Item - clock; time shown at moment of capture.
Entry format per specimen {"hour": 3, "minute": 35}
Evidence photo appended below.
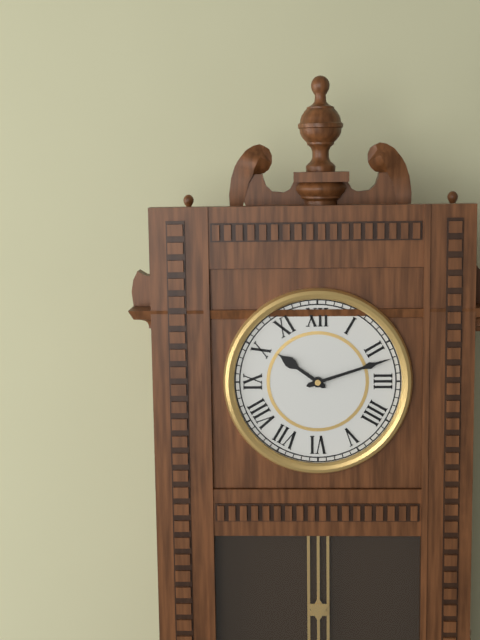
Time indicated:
{"hour": 10, "minute": 12}
